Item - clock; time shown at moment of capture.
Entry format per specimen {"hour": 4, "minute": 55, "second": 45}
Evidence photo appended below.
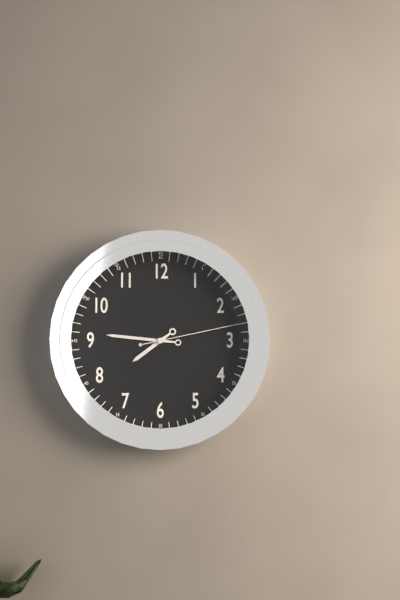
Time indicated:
{"hour": 7, "minute": 46, "second": 13}
